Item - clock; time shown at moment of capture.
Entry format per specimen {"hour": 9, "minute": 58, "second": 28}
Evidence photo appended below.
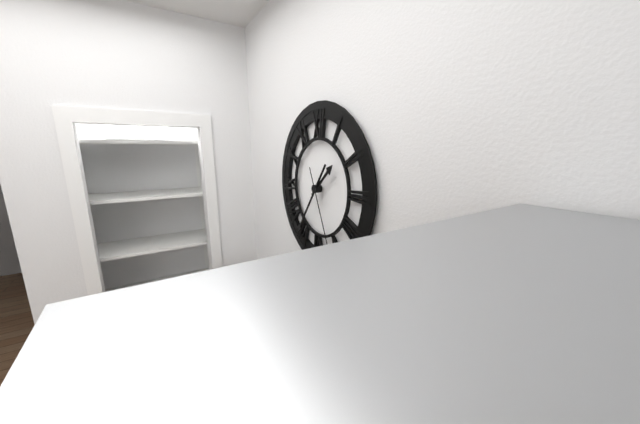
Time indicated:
{"hour": 1, "minute": 36, "second": 26}
